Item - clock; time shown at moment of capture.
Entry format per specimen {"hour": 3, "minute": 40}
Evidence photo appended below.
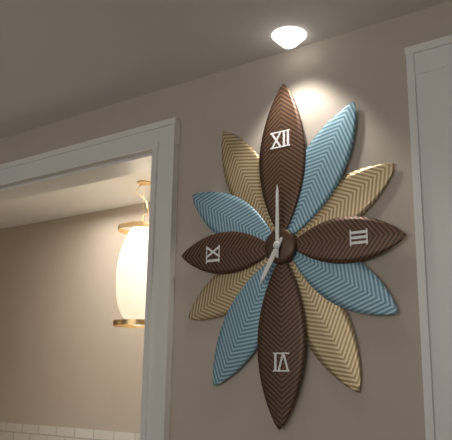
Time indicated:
{"hour": 7, "minute": 0}
